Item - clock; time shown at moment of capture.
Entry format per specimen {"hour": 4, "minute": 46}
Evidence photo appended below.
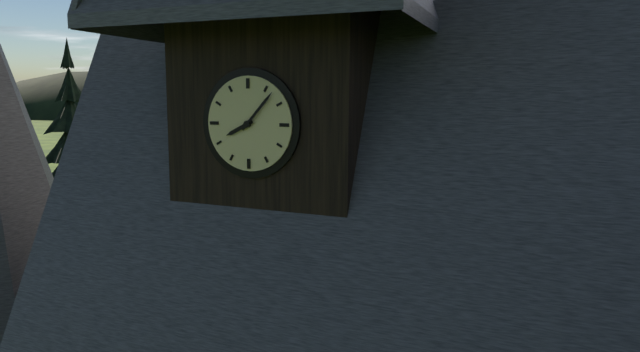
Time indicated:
{"hour": 8, "minute": 7}
